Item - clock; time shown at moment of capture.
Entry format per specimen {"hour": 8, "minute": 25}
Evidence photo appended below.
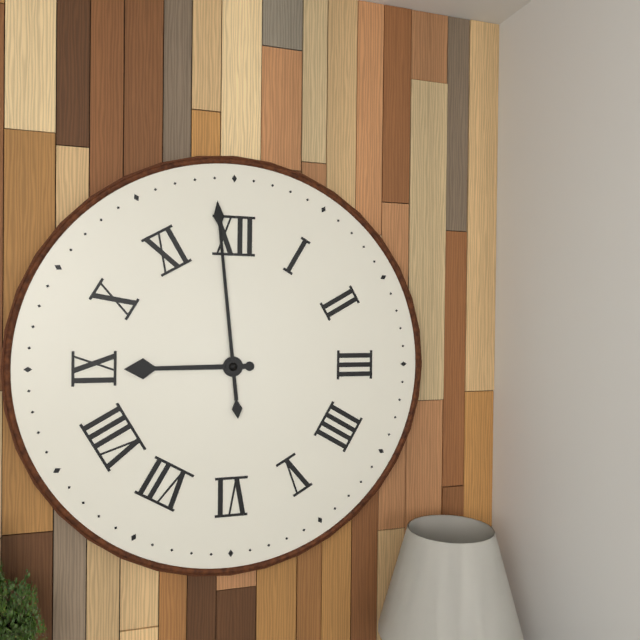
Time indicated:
{"hour": 8, "minute": 59}
